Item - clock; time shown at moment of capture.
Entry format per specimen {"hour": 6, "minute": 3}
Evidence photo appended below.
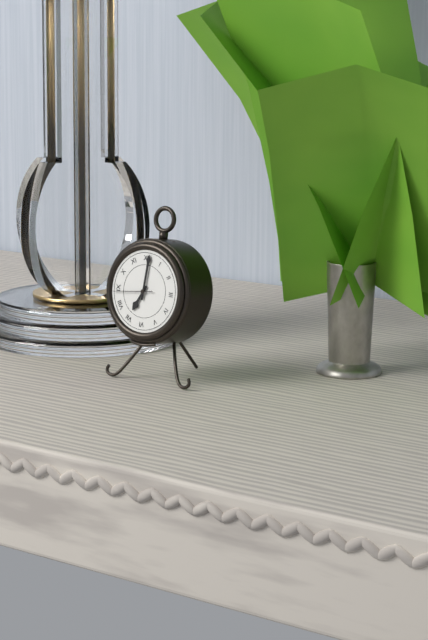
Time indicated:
{"hour": 7, "minute": 1}
